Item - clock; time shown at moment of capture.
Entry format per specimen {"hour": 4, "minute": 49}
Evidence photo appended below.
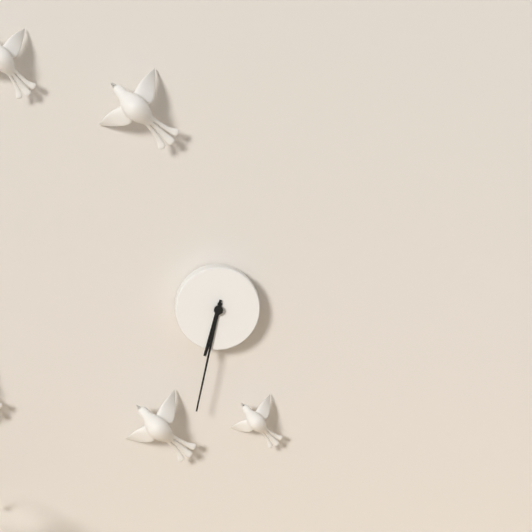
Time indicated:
{"hour": 6, "minute": 32}
